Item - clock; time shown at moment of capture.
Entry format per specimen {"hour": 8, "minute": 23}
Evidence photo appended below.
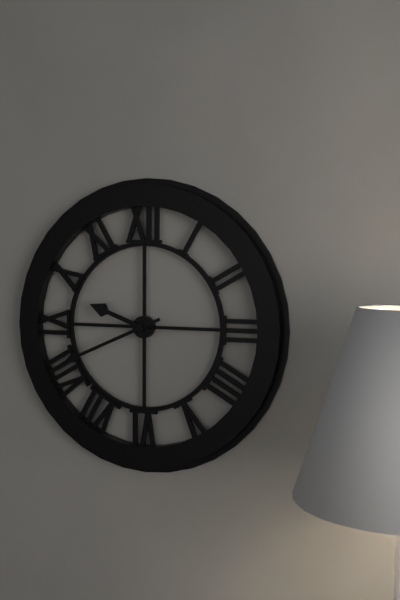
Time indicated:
{"hour": 9, "minute": 41}
